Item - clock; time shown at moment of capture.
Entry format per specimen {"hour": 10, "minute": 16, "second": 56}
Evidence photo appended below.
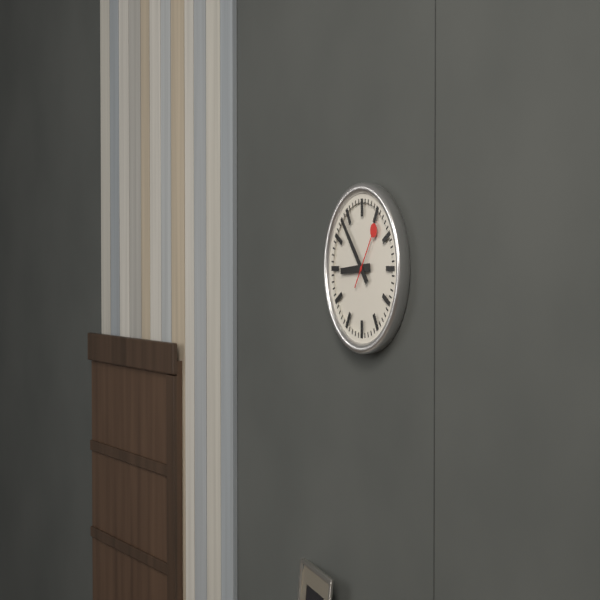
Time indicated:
{"hour": 8, "minute": 53, "second": 6}
